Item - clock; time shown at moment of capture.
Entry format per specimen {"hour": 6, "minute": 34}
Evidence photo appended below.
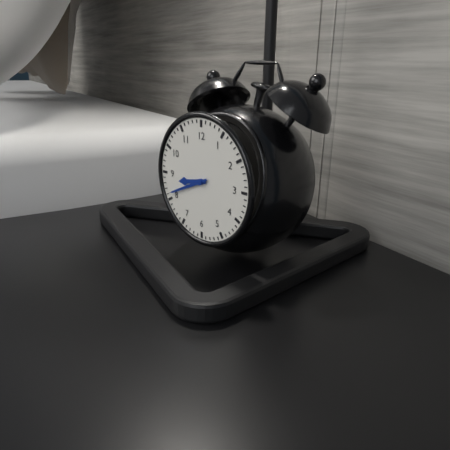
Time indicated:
{"hour": 8, "minute": 41}
